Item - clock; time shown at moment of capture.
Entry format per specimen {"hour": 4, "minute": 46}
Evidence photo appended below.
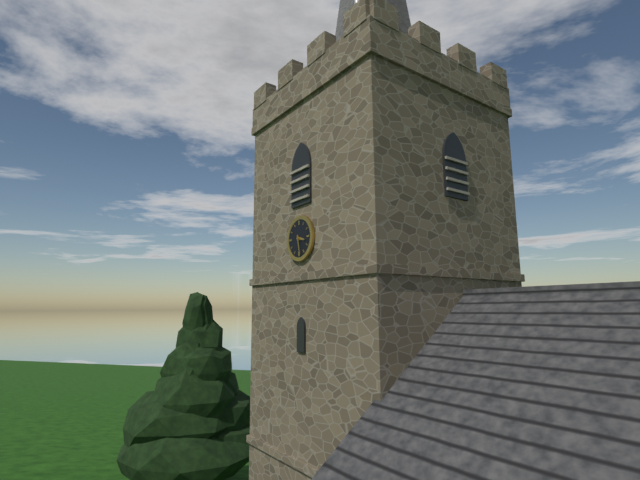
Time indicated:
{"hour": 3, "minute": 28}
